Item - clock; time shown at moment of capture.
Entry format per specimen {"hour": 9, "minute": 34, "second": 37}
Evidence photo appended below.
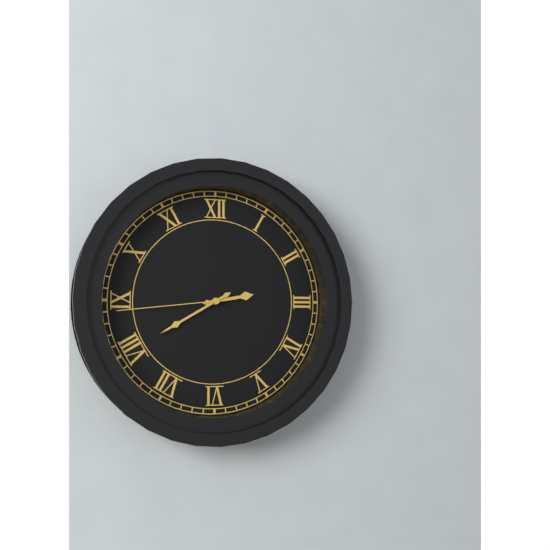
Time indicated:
{"hour": 2, "minute": 40, "second": 44}
